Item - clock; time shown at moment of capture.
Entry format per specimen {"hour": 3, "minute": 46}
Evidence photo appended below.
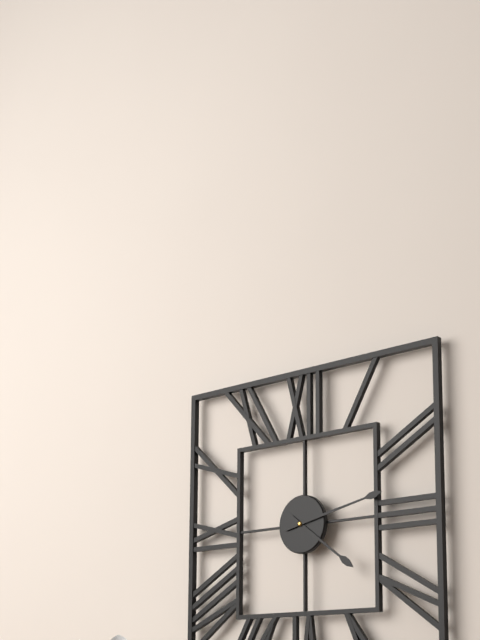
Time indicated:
{"hour": 4, "minute": 13}
